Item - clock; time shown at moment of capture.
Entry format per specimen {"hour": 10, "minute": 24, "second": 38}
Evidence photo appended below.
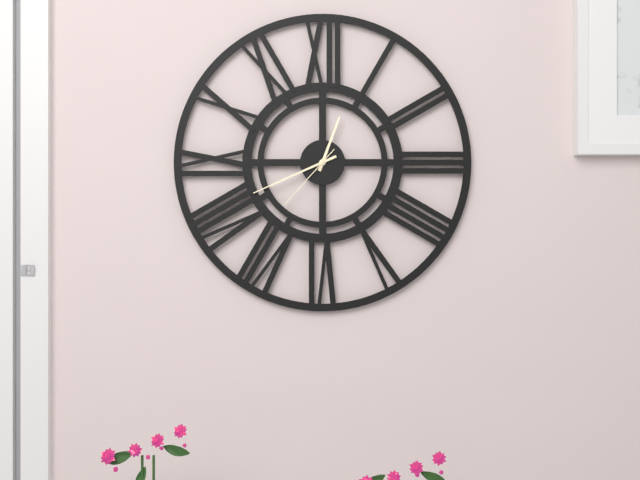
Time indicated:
{"hour": 12, "minute": 41, "second": 37}
